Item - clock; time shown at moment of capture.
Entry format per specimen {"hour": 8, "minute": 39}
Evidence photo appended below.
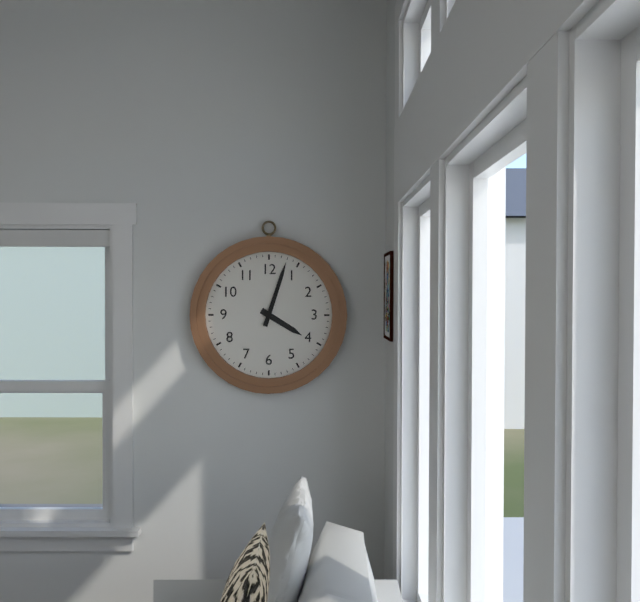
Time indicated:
{"hour": 4, "minute": 3}
